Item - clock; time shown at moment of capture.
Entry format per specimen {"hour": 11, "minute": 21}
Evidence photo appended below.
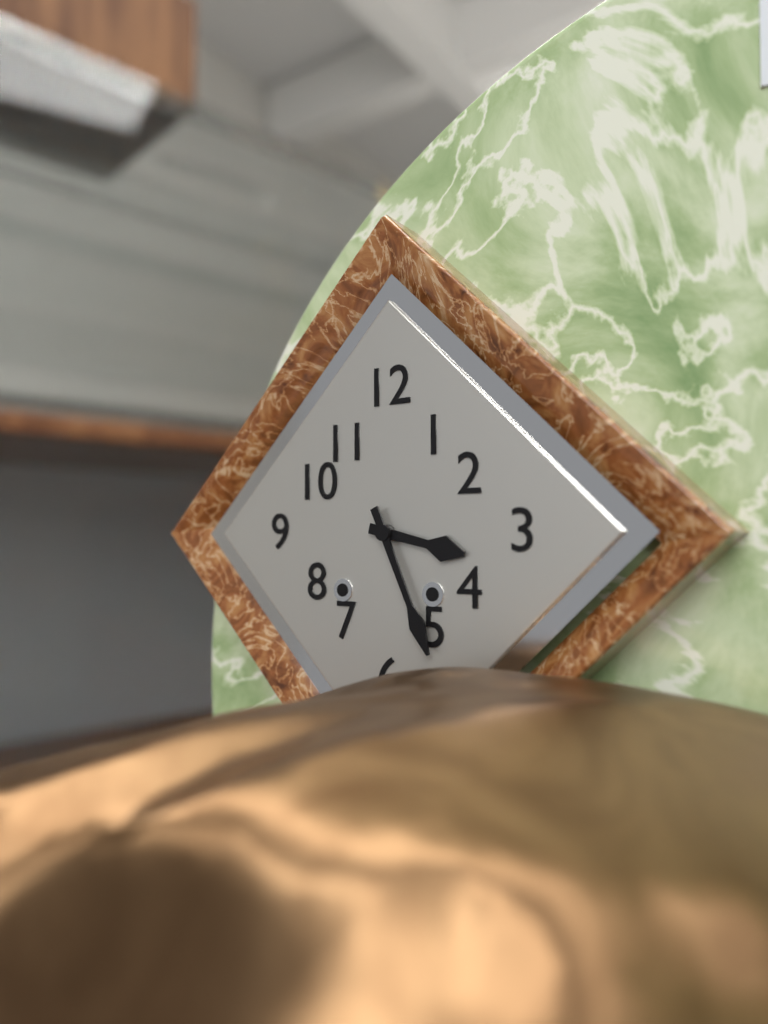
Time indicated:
{"hour": 3, "minute": 26}
